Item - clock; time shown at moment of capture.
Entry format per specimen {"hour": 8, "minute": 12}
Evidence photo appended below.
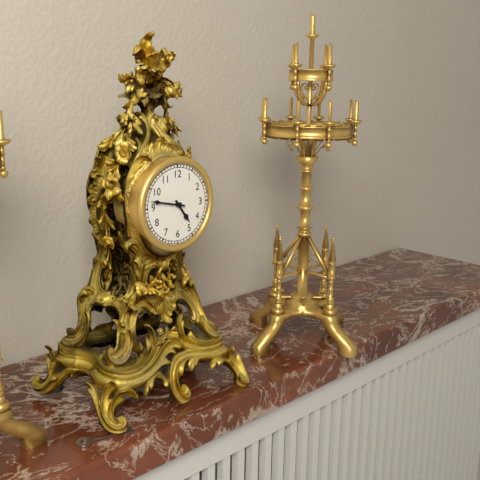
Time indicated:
{"hour": 4, "minute": 47}
